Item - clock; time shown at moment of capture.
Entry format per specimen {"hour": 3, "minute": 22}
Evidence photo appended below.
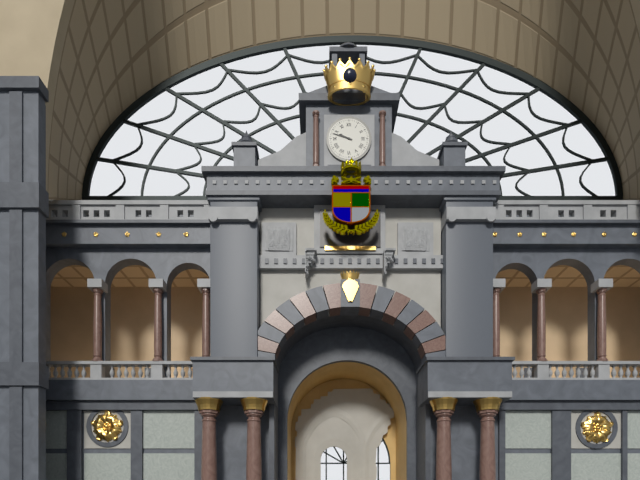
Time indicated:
{"hour": 9, "minute": 48}
